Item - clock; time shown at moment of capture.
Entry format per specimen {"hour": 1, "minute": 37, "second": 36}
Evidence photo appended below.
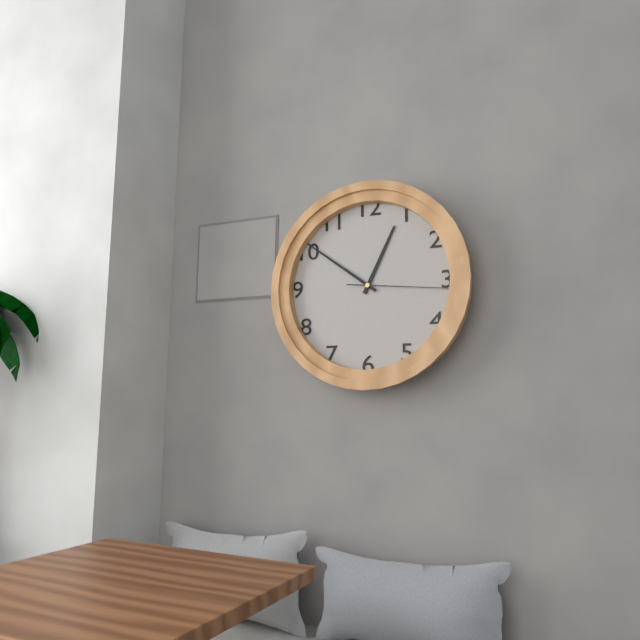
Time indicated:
{"hour": 12, "minute": 51, "second": 16}
